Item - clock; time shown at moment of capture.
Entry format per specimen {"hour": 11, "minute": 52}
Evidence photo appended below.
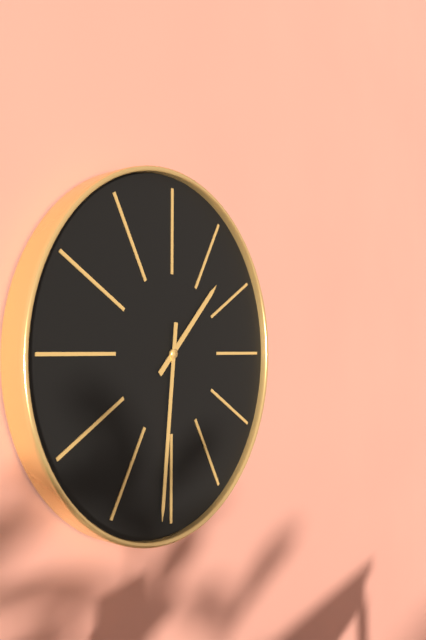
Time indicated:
{"hour": 1, "minute": 31}
